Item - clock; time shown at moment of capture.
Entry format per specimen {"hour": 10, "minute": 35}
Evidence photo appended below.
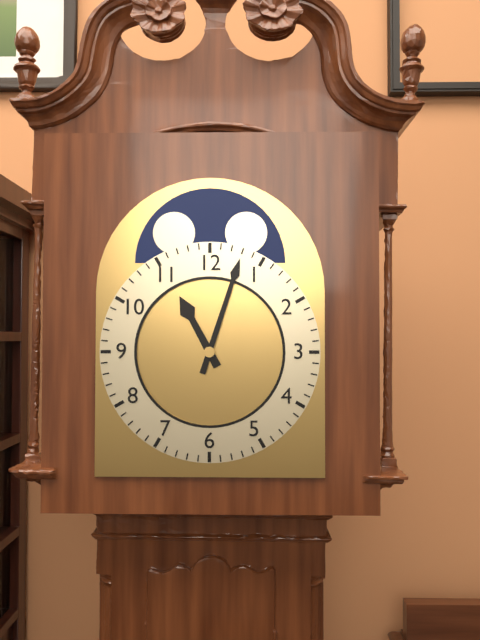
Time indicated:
{"hour": 11, "minute": 3}
